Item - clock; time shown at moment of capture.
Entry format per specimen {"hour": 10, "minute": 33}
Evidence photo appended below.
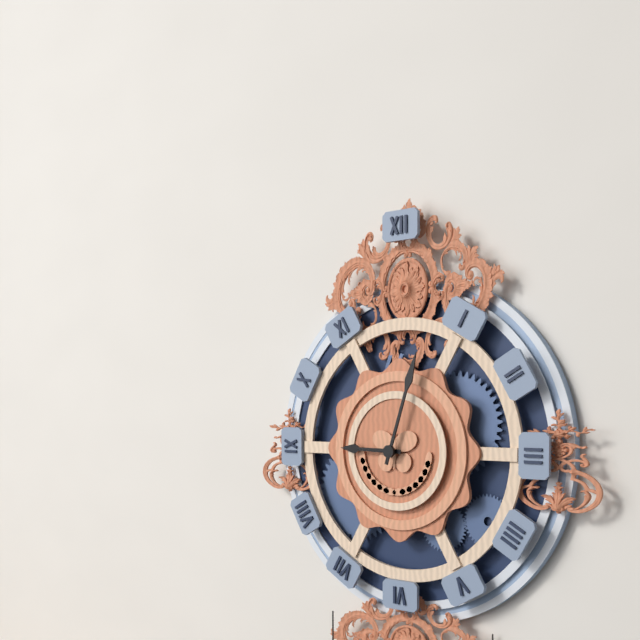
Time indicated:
{"hour": 9, "minute": 3}
